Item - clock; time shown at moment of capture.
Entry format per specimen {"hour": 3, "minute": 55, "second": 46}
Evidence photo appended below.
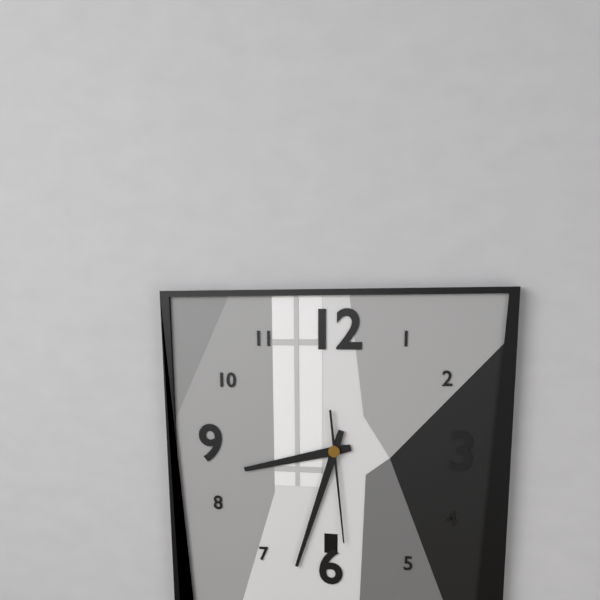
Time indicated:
{"hour": 8, "minute": 33, "second": 29}
